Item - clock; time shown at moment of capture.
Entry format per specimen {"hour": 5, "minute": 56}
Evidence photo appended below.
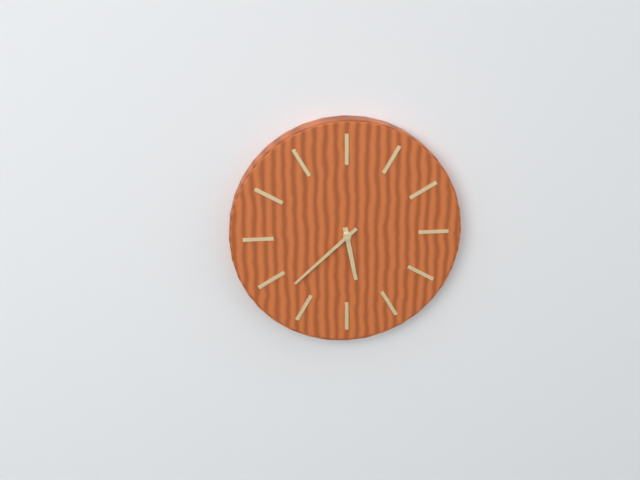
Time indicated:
{"hour": 5, "minute": 38}
